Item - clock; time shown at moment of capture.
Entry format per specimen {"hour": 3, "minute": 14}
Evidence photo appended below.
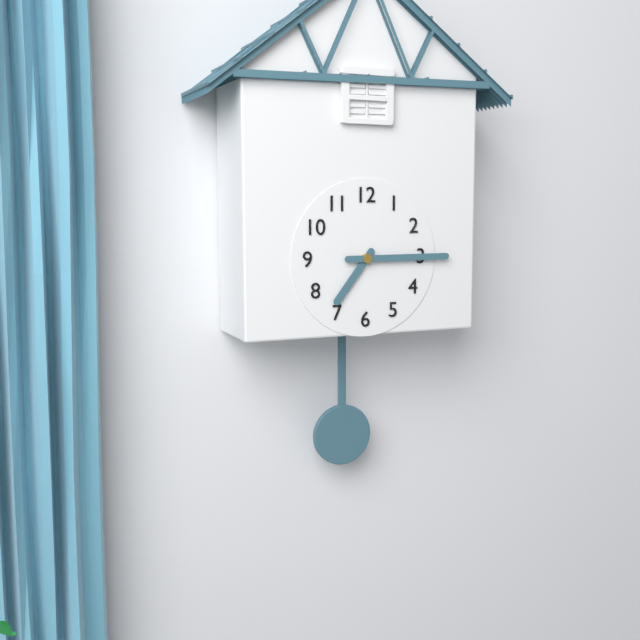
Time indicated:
{"hour": 7, "minute": 15}
